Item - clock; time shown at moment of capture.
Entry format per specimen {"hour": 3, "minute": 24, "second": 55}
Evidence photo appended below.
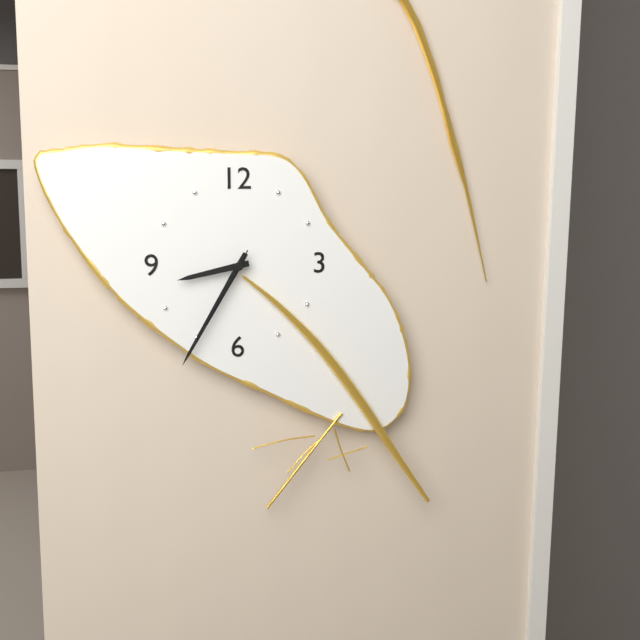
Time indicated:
{"hour": 8, "minute": 35, "second": 35}
